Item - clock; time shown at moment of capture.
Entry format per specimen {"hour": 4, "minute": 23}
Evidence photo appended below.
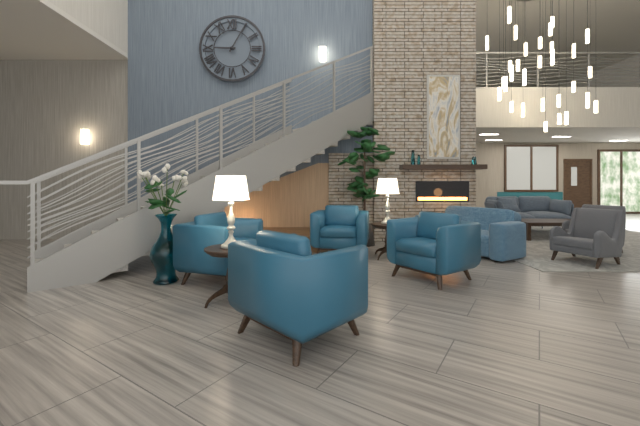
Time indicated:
{"hour": 9, "minute": 5}
